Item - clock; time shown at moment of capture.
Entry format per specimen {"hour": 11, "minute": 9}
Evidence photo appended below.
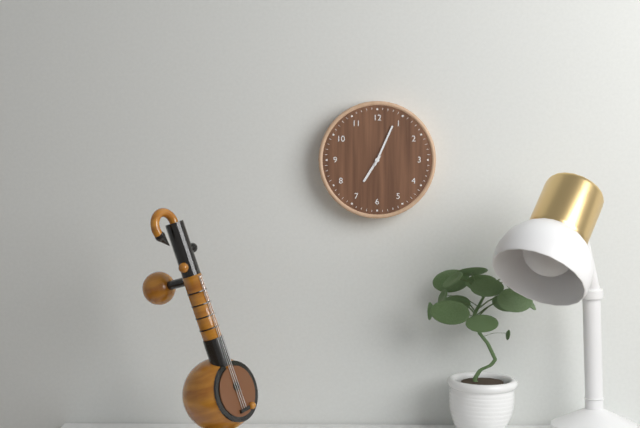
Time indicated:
{"hour": 7, "minute": 4}
